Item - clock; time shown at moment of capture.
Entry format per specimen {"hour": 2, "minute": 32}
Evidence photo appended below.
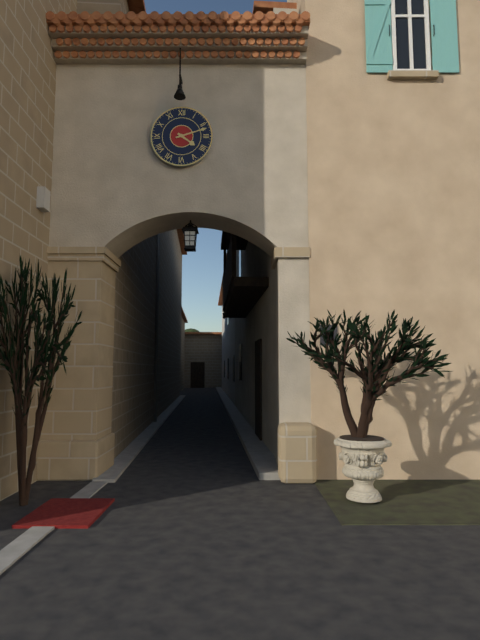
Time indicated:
{"hour": 4, "minute": 12}
